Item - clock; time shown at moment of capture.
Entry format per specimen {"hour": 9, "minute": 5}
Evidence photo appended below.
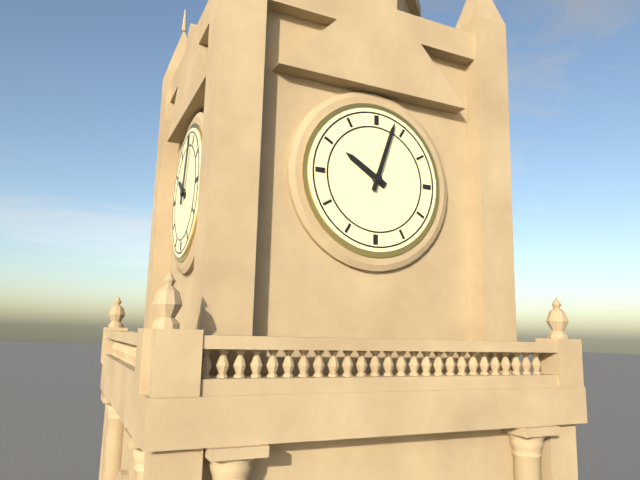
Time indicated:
{"hour": 10, "minute": 3}
